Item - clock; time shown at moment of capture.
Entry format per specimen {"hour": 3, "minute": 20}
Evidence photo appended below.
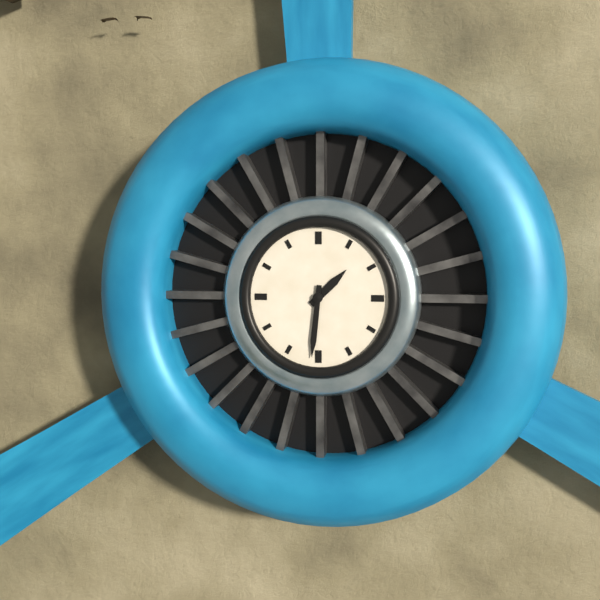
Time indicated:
{"hour": 1, "minute": 31}
